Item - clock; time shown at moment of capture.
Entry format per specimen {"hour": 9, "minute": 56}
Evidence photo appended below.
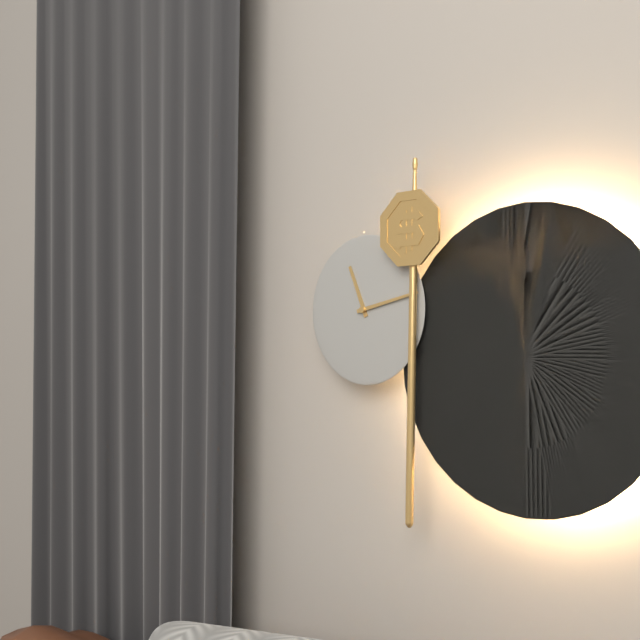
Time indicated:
{"hour": 11, "minute": 13}
